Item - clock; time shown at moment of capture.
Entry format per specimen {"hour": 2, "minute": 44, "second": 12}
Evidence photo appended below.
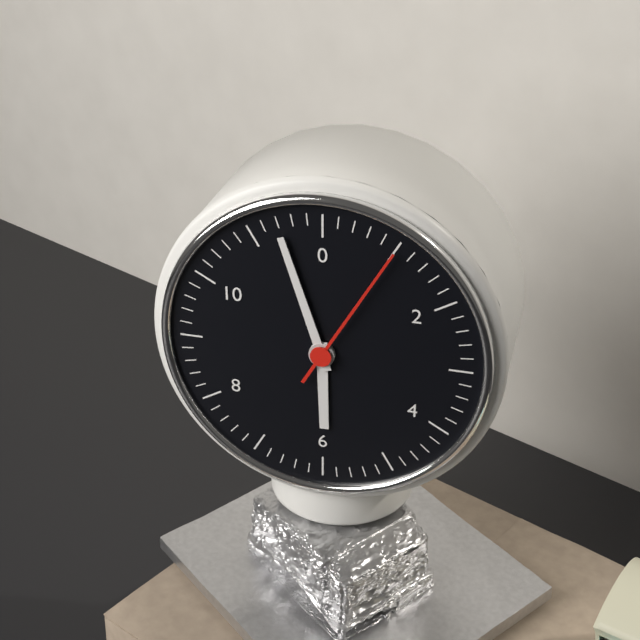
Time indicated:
{"hour": 5, "minute": 57, "second": 5}
